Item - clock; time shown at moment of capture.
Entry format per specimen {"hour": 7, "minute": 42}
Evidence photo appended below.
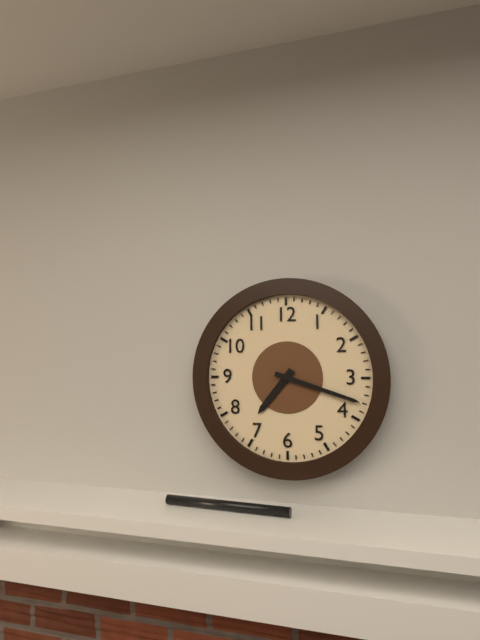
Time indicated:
{"hour": 7, "minute": 18}
